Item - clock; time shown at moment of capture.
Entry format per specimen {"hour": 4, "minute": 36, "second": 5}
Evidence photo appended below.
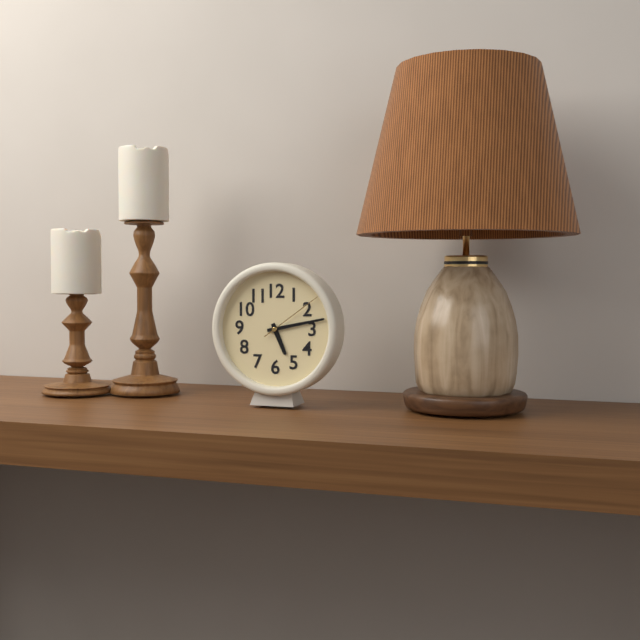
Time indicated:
{"hour": 5, "minute": 13, "second": 9}
